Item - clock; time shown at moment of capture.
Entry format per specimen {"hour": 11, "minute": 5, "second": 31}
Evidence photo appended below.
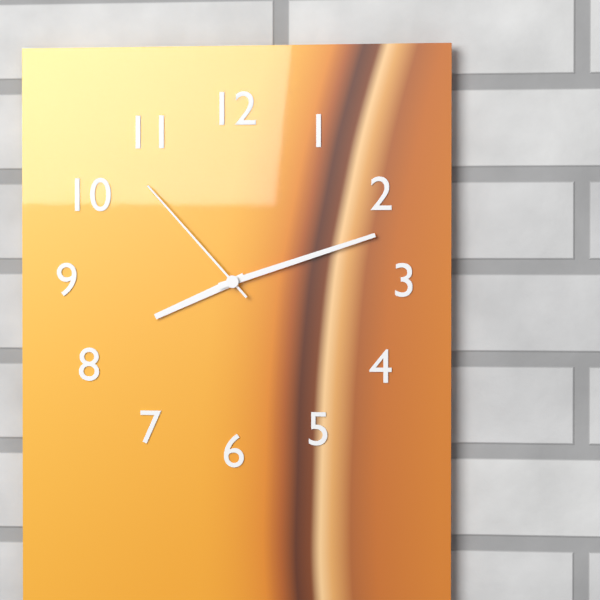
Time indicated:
{"hour": 8, "minute": 12, "second": 53}
